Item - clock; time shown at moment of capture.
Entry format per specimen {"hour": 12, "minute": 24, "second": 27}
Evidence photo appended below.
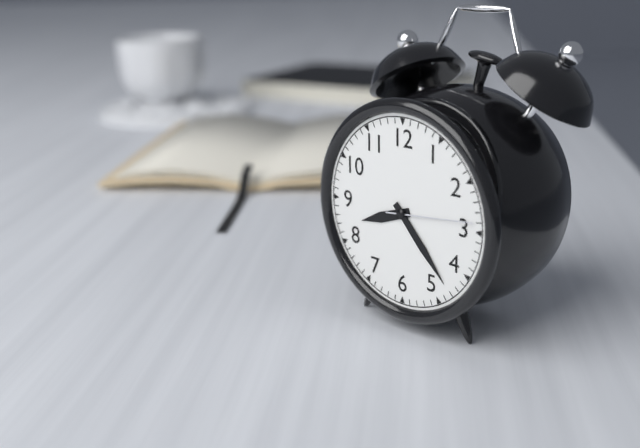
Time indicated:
{"hour": 8, "minute": 23, "second": 14}
